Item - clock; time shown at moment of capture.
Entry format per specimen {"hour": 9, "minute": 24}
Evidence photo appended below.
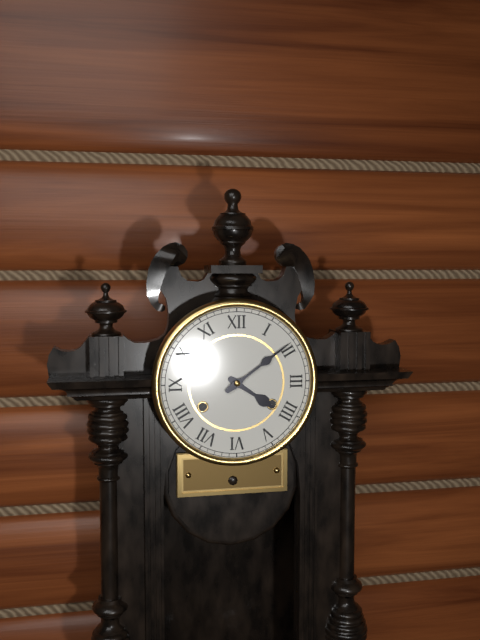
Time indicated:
{"hour": 4, "minute": 9}
